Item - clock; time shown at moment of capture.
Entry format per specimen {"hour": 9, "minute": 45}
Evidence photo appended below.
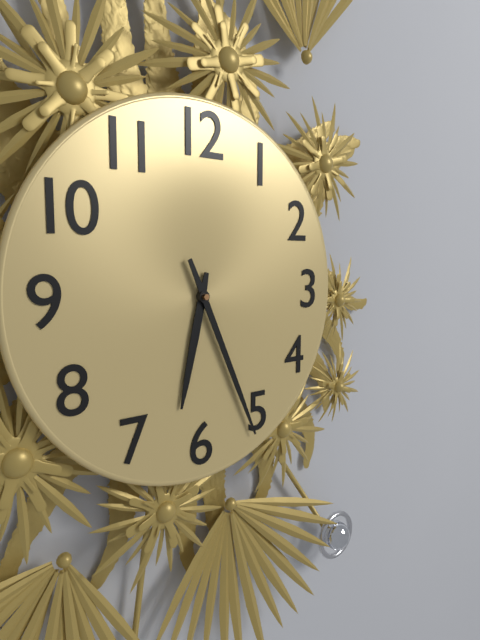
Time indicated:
{"hour": 6, "minute": 26}
